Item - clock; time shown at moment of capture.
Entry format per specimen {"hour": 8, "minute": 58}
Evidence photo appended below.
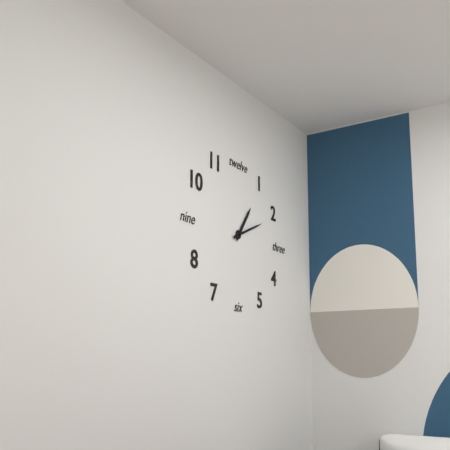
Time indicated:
{"hour": 1, "minute": 11}
